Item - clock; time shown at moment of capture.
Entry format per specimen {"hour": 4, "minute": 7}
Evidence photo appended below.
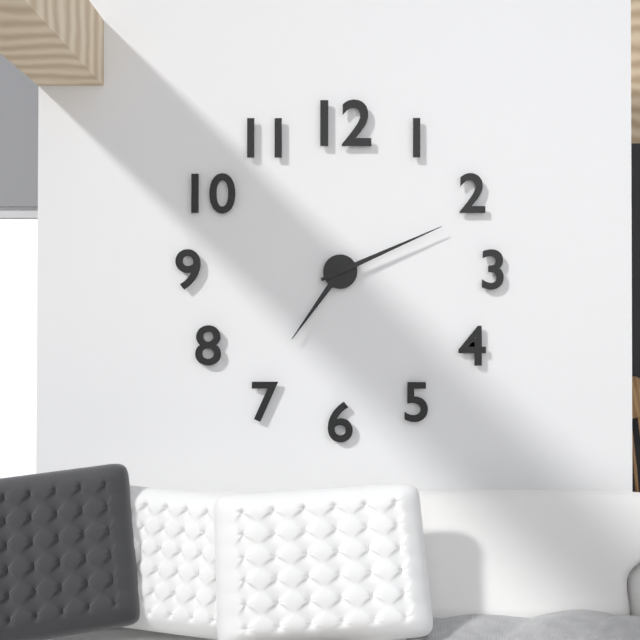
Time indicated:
{"hour": 7, "minute": 11}
